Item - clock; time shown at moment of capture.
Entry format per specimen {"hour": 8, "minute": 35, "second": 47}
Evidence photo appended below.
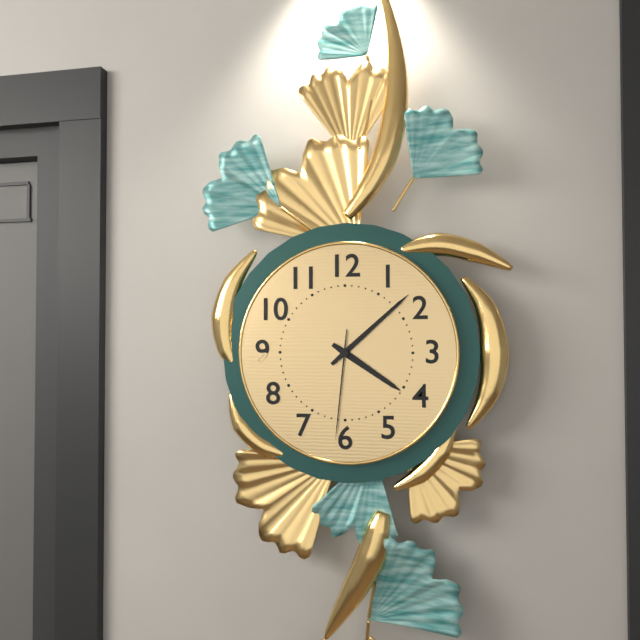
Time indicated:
{"hour": 4, "minute": 8, "second": 31}
